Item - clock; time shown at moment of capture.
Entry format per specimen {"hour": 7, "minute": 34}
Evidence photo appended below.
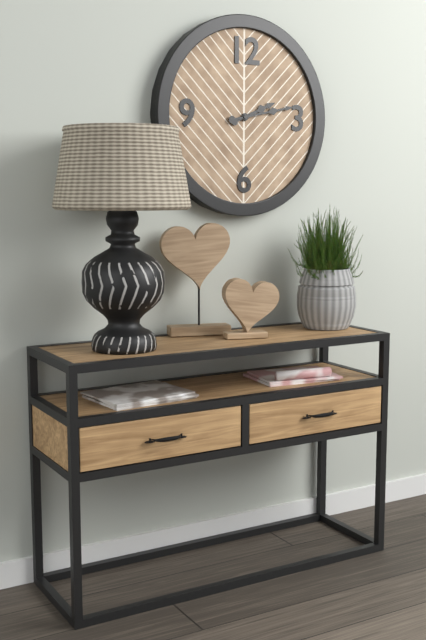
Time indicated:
{"hour": 2, "minute": 13}
